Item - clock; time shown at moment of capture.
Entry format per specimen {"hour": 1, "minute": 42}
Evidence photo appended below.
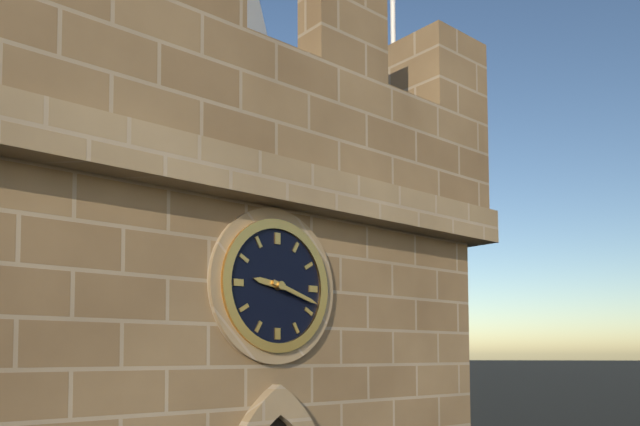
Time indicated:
{"hour": 9, "minute": 18}
